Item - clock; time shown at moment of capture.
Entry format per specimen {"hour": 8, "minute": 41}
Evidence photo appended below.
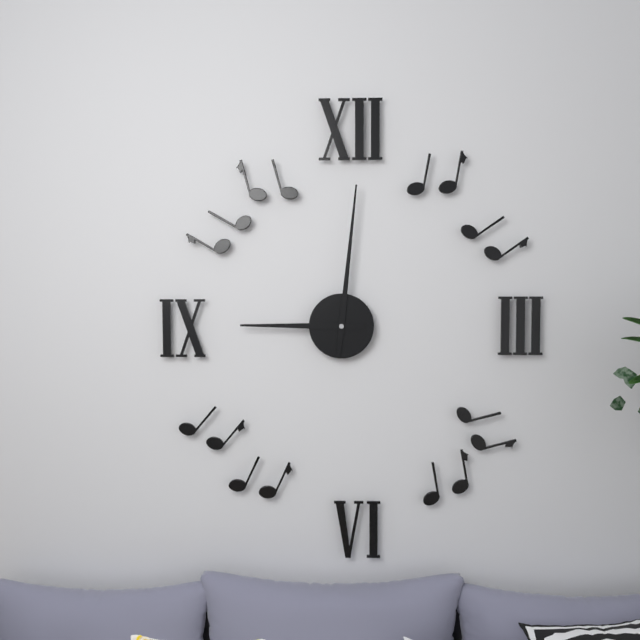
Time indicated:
{"hour": 9, "minute": 1}
